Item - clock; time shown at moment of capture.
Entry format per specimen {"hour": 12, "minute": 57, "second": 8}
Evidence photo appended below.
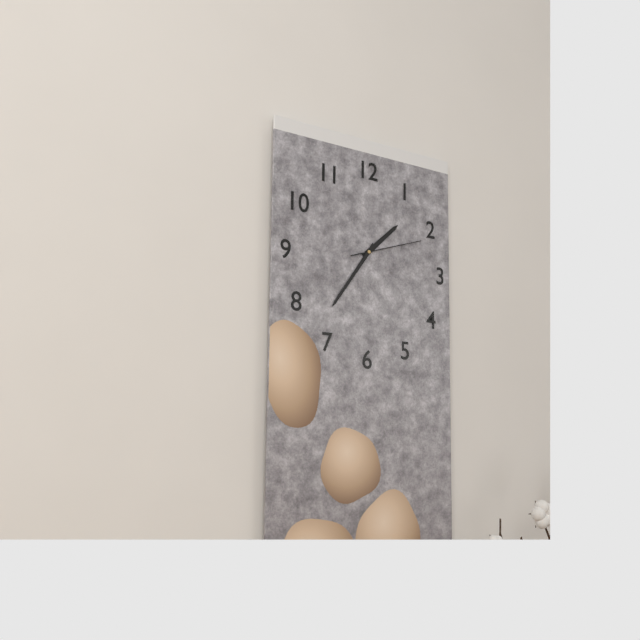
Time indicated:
{"hour": 1, "minute": 36, "second": 12}
